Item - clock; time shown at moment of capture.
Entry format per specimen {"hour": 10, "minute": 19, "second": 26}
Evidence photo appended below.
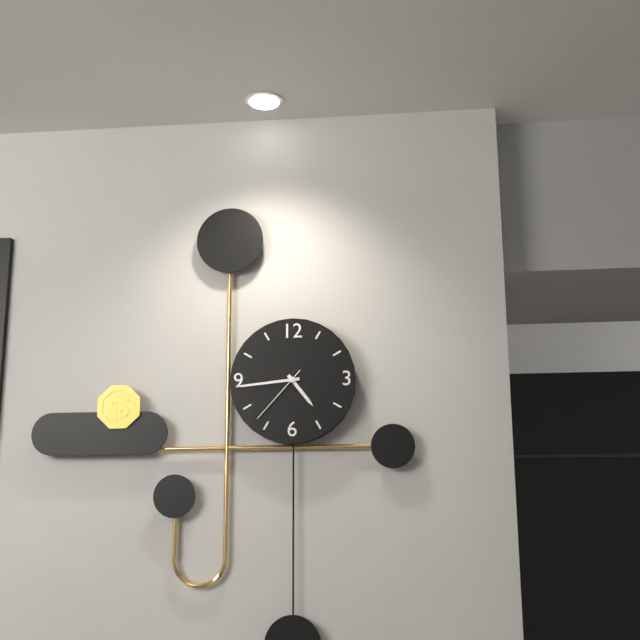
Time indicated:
{"hour": 4, "minute": 44, "second": 37}
